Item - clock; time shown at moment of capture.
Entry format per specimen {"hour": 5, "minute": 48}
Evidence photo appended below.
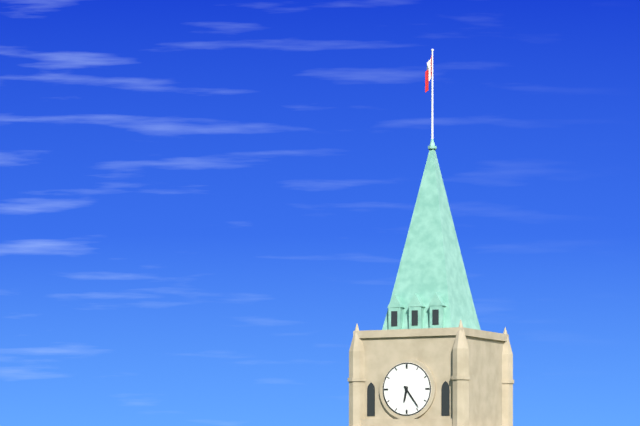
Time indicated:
{"hour": 6, "minute": 24}
